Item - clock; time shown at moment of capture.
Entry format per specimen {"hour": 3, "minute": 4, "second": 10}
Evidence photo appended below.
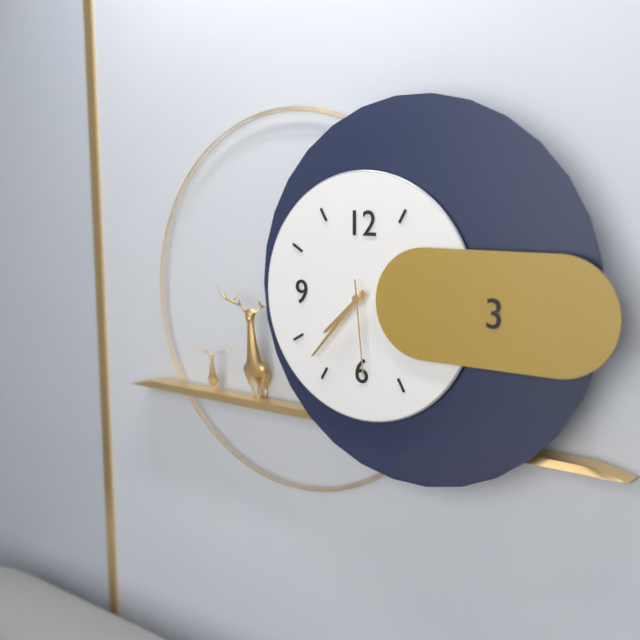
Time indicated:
{"hour": 7, "minute": 37, "second": 29}
